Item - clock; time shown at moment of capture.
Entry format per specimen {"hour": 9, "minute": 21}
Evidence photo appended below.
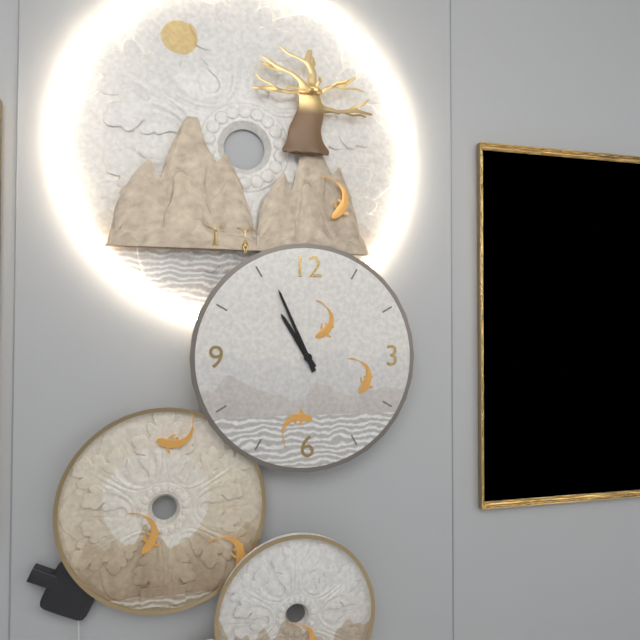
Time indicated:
{"hour": 10, "minute": 56}
